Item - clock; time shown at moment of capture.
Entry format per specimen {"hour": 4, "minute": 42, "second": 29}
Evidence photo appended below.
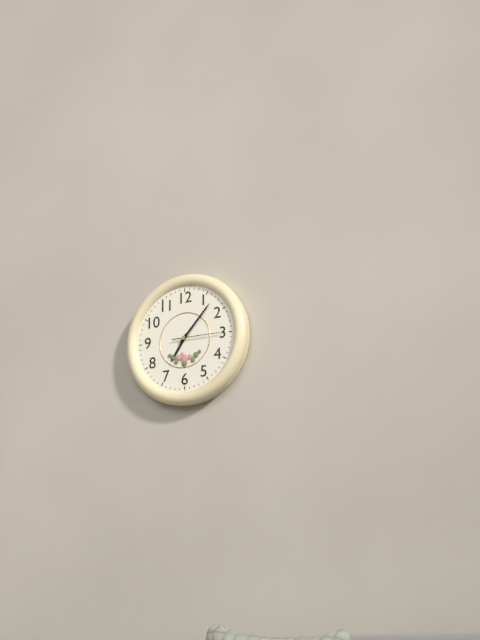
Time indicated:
{"hour": 7, "minute": 7, "second": 15}
